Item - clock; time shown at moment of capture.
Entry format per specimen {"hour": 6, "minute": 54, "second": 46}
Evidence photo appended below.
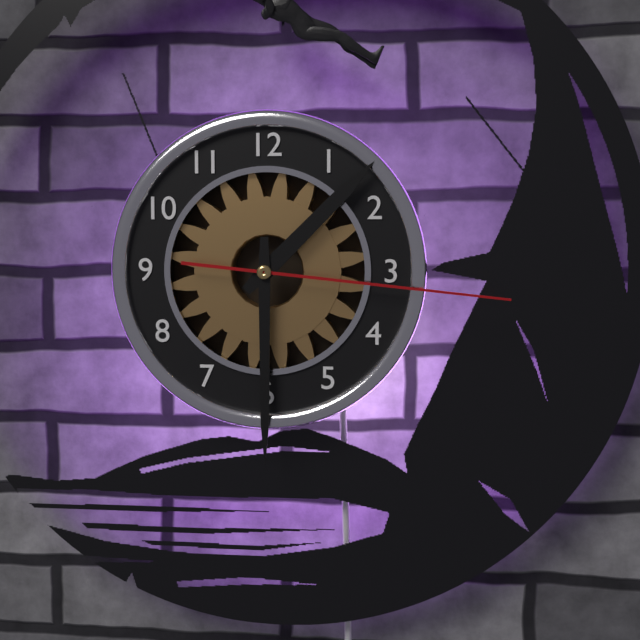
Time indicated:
{"hour": 1, "minute": 30, "second": 16}
